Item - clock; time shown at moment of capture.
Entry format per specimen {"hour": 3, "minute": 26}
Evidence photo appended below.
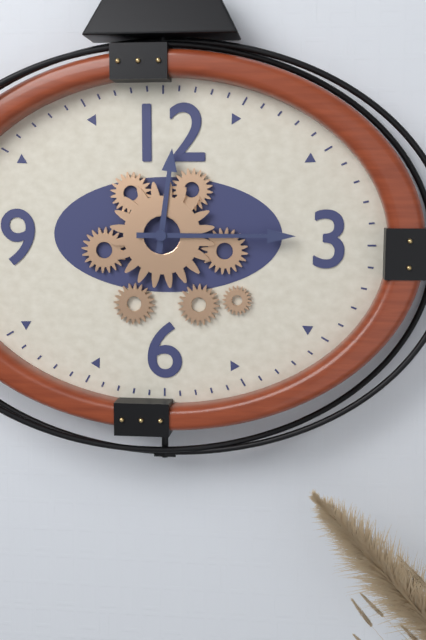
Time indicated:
{"hour": 12, "minute": 15}
